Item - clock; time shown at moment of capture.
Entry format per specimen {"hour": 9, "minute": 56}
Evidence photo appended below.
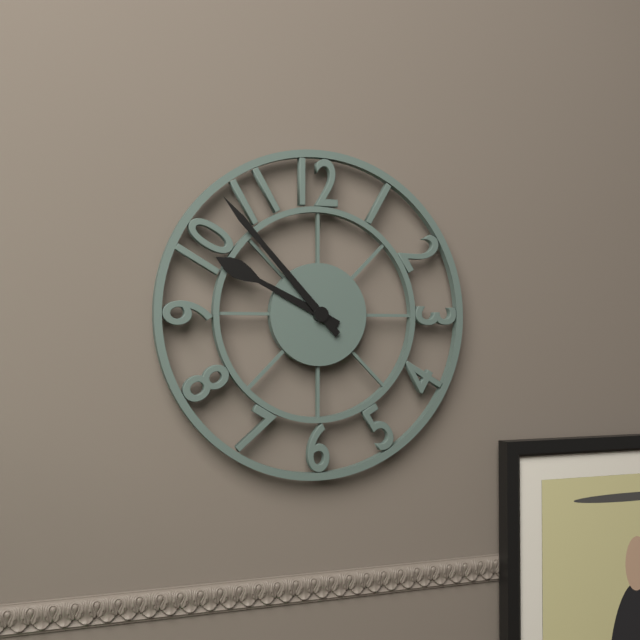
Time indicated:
{"hour": 9, "minute": 53}
